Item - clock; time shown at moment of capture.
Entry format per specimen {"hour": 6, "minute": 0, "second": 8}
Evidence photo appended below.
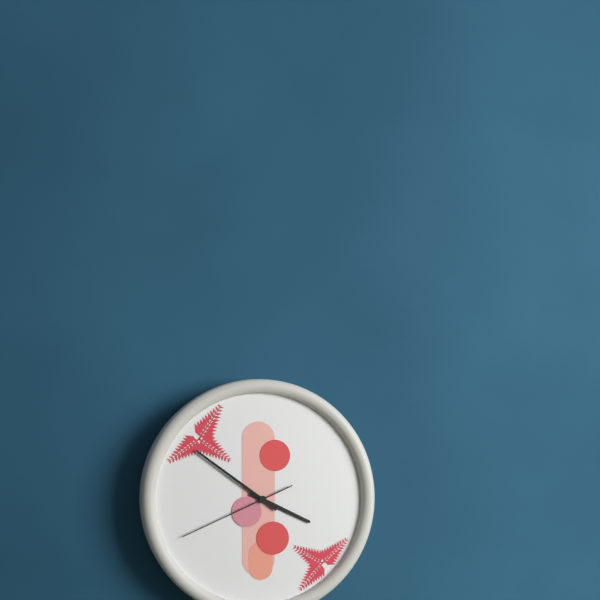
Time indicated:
{"hour": 3, "minute": 51, "second": 41}
